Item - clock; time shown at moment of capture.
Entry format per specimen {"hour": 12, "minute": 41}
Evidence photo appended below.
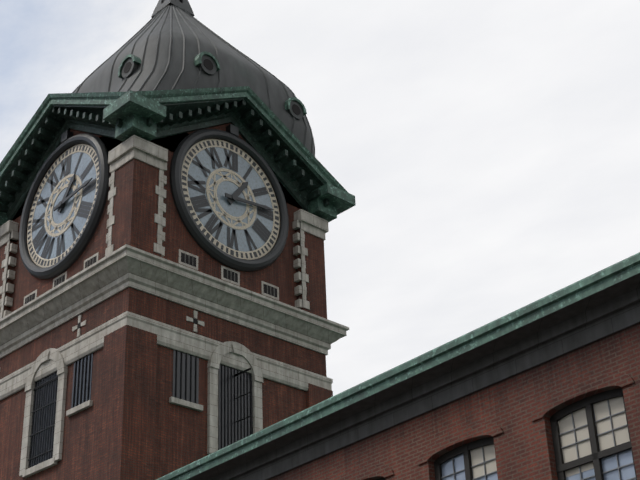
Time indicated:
{"hour": 1, "minute": 14}
